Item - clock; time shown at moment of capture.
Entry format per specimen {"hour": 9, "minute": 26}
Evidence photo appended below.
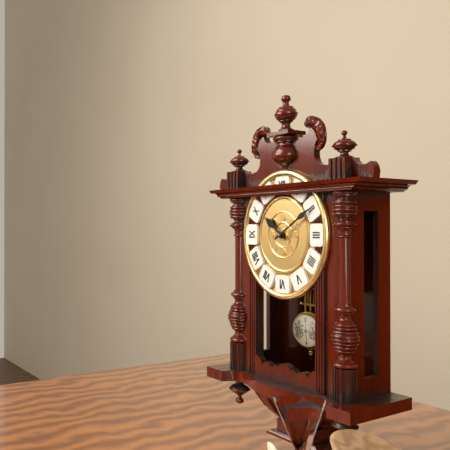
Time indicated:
{"hour": 10, "minute": 10}
